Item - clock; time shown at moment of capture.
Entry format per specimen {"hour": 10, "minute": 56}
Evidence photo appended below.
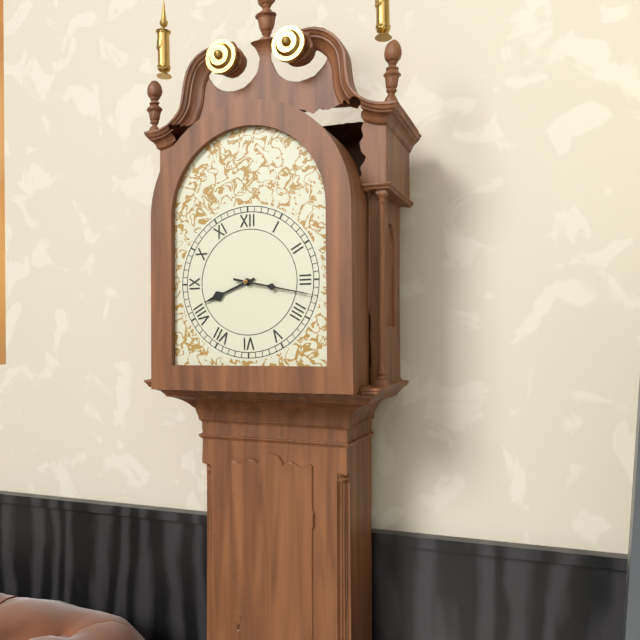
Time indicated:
{"hour": 8, "minute": 17}
